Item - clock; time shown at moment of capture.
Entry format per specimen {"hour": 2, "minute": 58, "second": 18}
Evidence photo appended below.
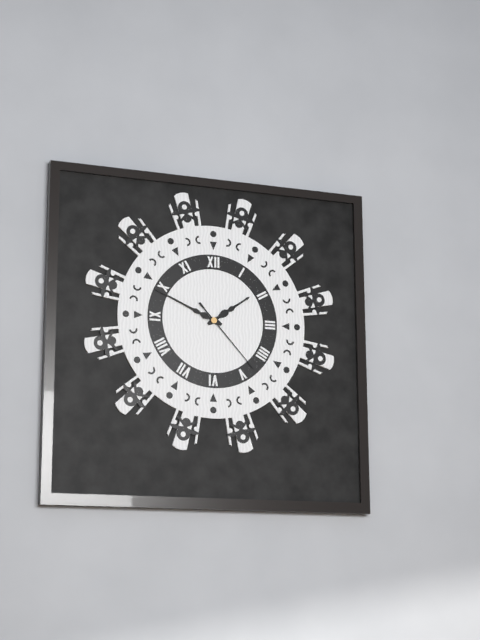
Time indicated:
{"hour": 1, "minute": 49, "second": 23}
